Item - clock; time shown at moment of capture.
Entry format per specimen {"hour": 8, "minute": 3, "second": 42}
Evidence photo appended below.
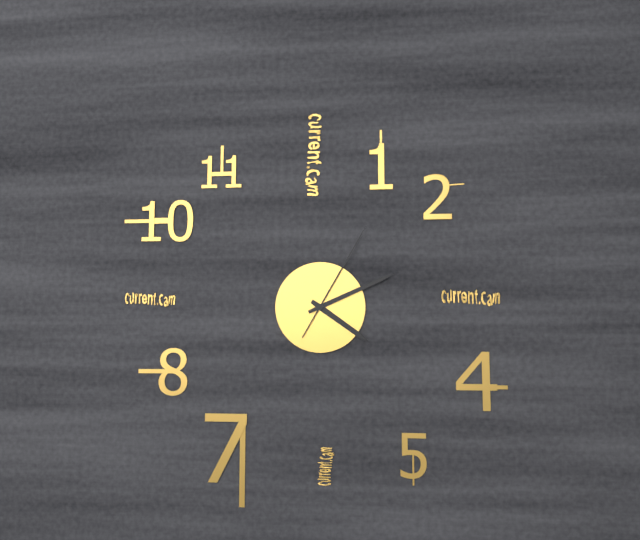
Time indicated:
{"hour": 4, "minute": 11, "second": 5}
